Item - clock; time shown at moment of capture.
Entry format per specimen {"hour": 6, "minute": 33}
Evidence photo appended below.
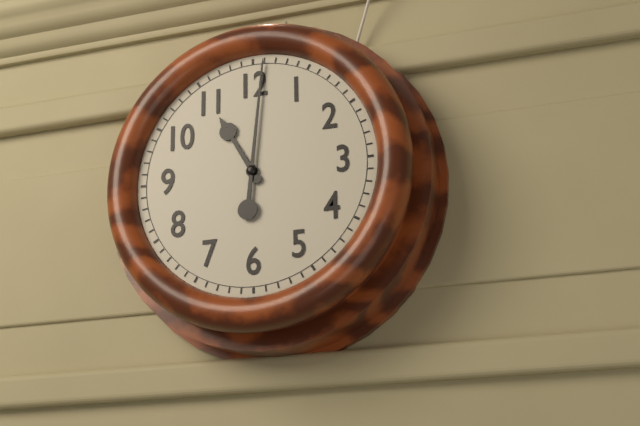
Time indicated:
{"hour": 11, "minute": 1}
